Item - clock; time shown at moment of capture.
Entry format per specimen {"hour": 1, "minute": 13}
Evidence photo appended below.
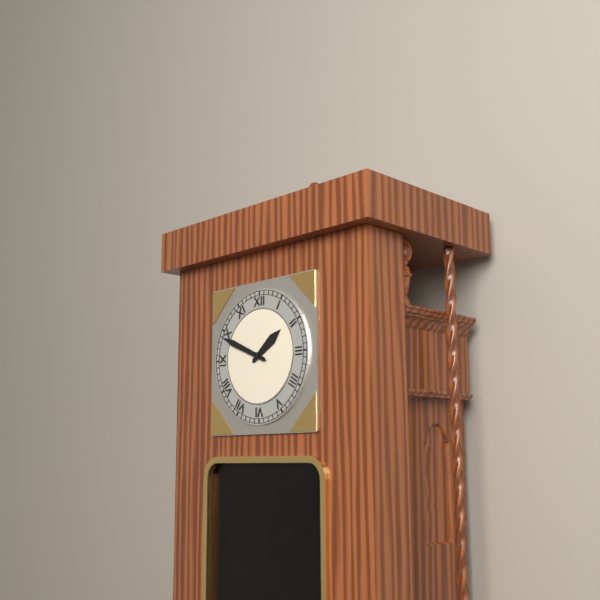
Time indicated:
{"hour": 1, "minute": 49}
